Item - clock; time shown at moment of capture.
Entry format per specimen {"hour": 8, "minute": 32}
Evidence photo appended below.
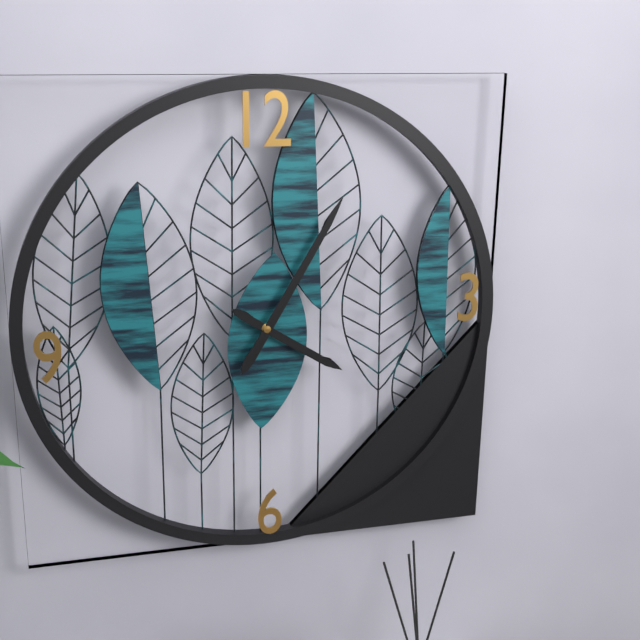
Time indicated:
{"hour": 4, "minute": 5}
